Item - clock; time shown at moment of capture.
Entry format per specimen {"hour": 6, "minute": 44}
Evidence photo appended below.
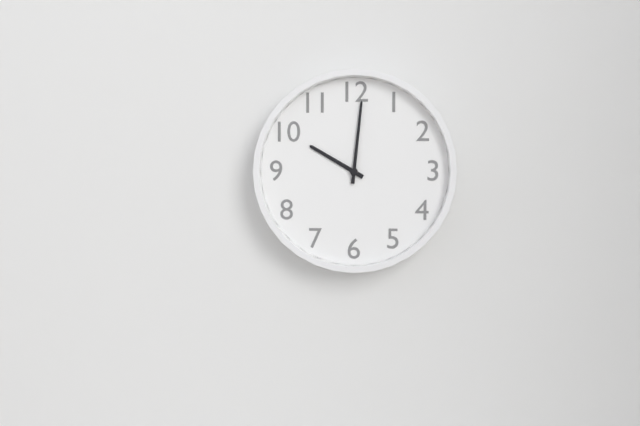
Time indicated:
{"hour": 10, "minute": 1}
